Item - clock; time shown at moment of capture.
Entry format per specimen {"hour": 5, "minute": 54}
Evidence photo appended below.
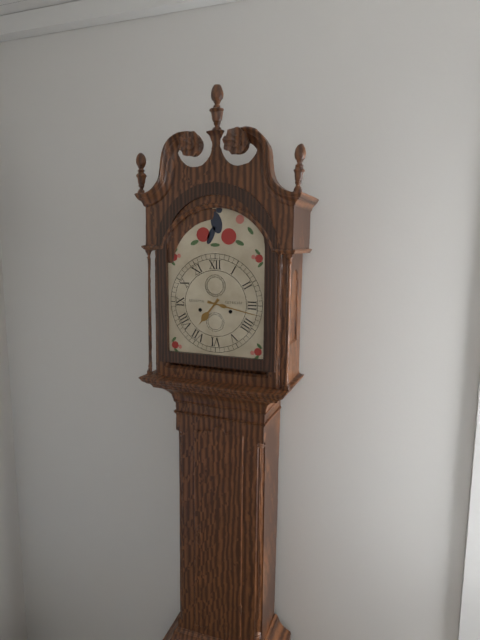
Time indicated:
{"hour": 7, "minute": 17}
